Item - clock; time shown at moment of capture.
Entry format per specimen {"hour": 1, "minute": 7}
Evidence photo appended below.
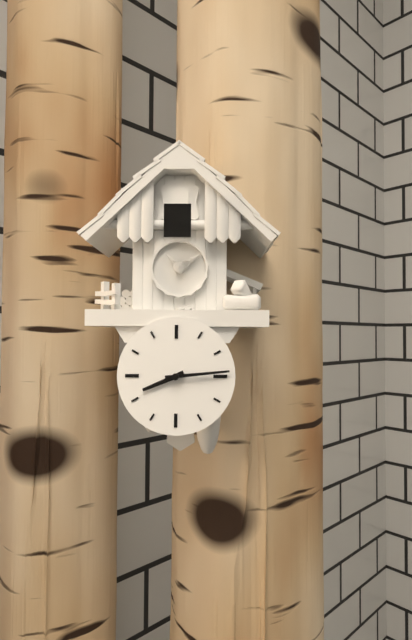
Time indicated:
{"hour": 8, "minute": 14}
